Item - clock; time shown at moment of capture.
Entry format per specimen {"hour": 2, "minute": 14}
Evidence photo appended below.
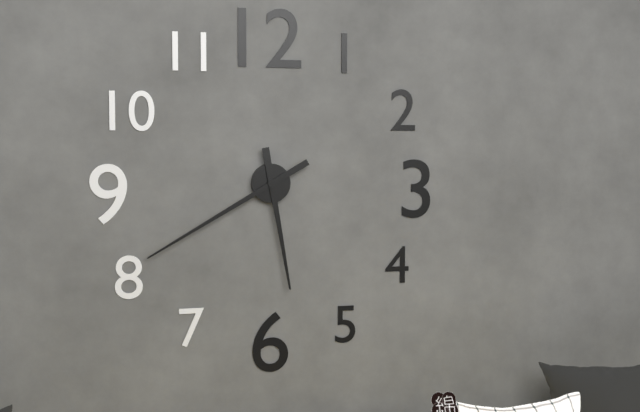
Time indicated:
{"hour": 5, "minute": 40}
